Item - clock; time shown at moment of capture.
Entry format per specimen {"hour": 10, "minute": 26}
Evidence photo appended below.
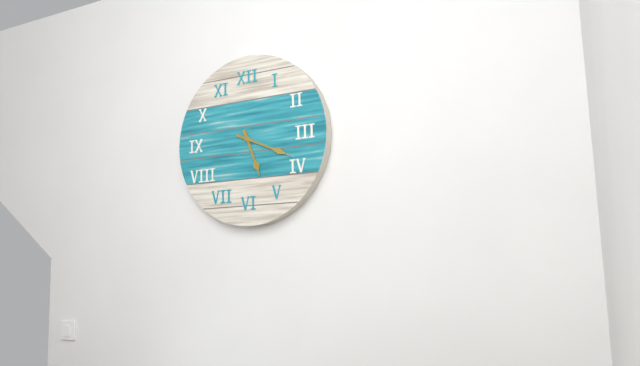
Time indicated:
{"hour": 5, "minute": 19}
